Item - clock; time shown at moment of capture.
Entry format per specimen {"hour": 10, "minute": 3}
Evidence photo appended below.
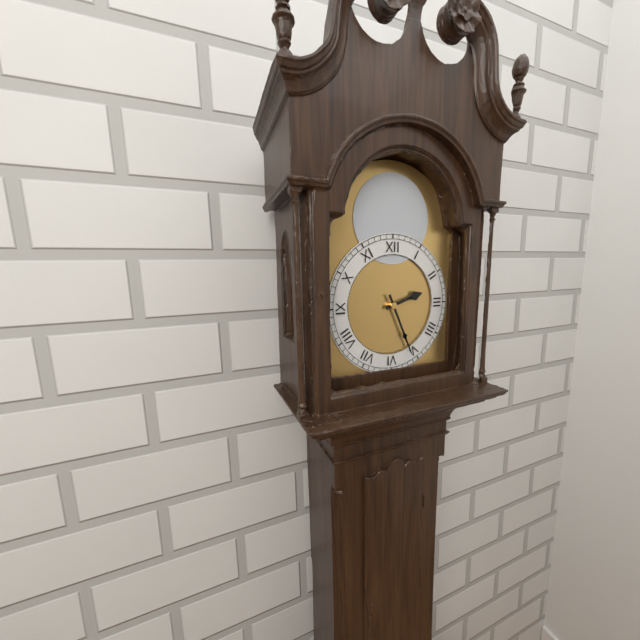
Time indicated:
{"hour": 2, "minute": 26}
